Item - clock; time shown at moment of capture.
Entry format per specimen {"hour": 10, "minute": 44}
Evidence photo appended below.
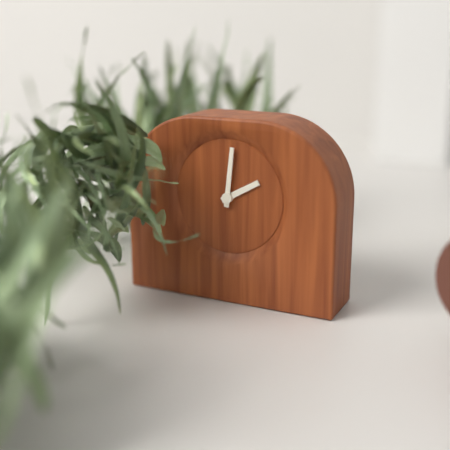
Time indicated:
{"hour": 2, "minute": 1}
